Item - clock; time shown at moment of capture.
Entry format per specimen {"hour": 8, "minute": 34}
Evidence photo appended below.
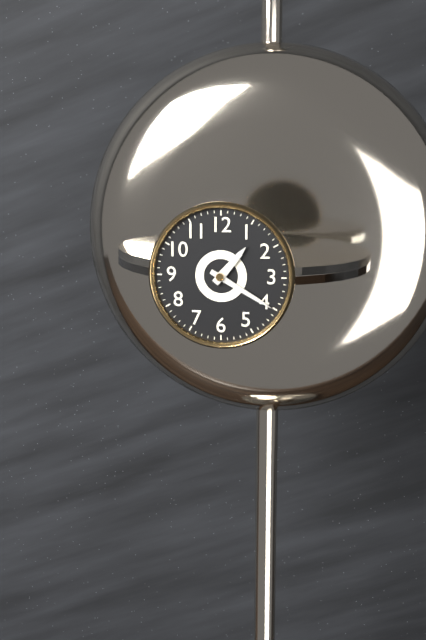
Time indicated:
{"hour": 1, "minute": 20}
